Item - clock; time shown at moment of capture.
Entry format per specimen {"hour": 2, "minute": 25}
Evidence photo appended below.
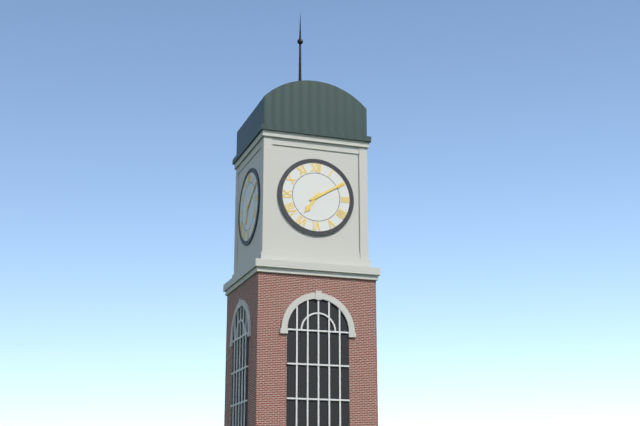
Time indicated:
{"hour": 7, "minute": 10}
